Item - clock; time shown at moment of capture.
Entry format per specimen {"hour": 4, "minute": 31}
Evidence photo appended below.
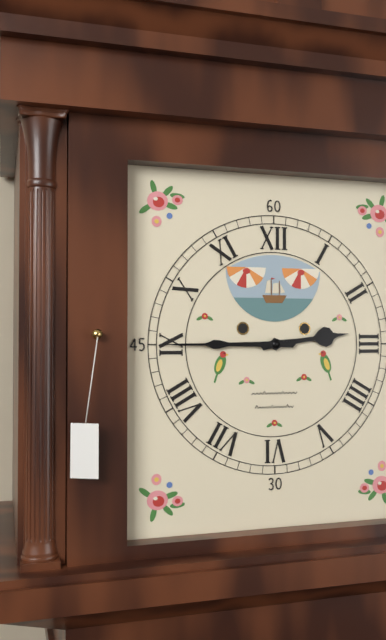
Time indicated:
{"hour": 2, "minute": 45}
